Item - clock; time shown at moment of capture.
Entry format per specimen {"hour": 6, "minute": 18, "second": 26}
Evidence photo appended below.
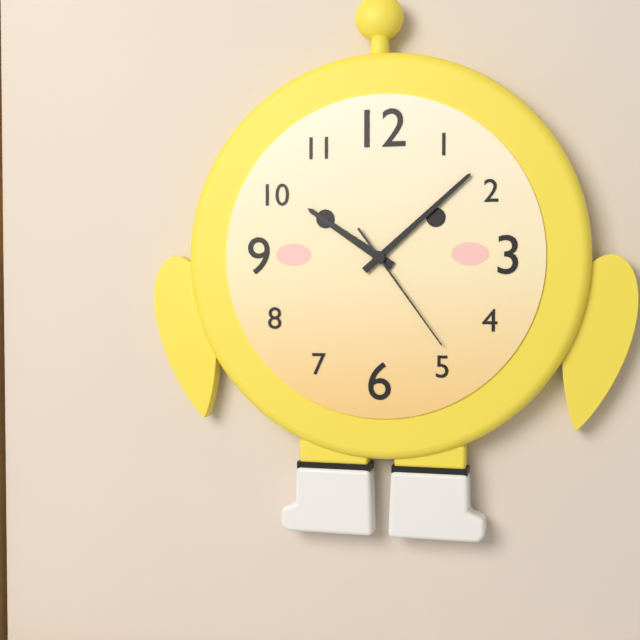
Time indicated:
{"hour": 10, "minute": 8, "second": 24}
